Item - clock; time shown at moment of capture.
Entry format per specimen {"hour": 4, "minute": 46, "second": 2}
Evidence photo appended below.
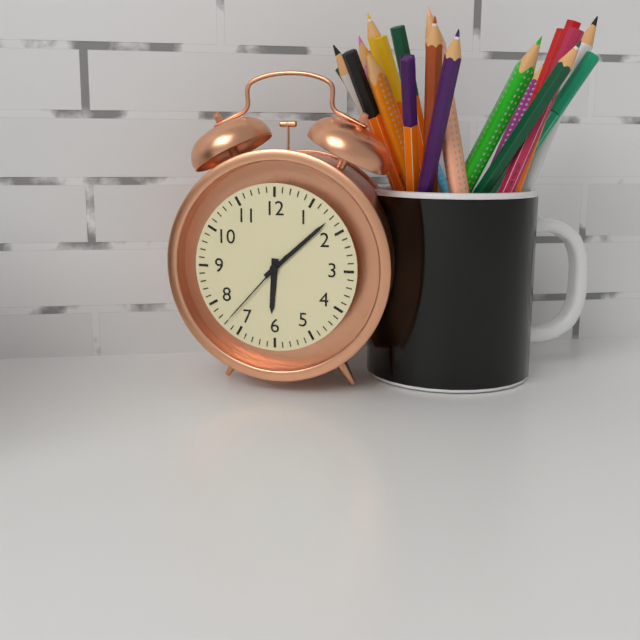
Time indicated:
{"hour": 6, "minute": 8, "second": 37}
